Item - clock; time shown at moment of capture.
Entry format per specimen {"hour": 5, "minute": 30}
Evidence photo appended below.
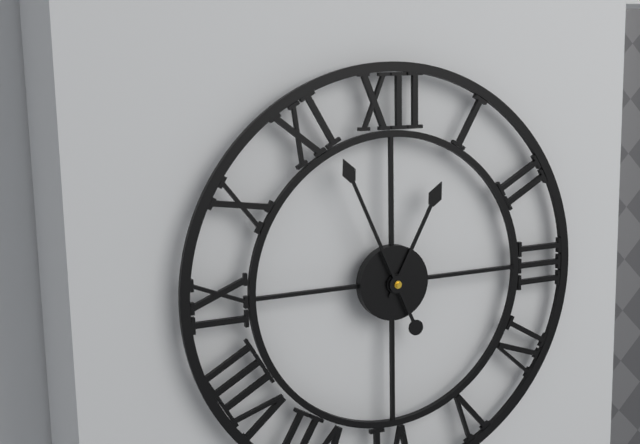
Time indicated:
{"hour": 12, "minute": 56}
